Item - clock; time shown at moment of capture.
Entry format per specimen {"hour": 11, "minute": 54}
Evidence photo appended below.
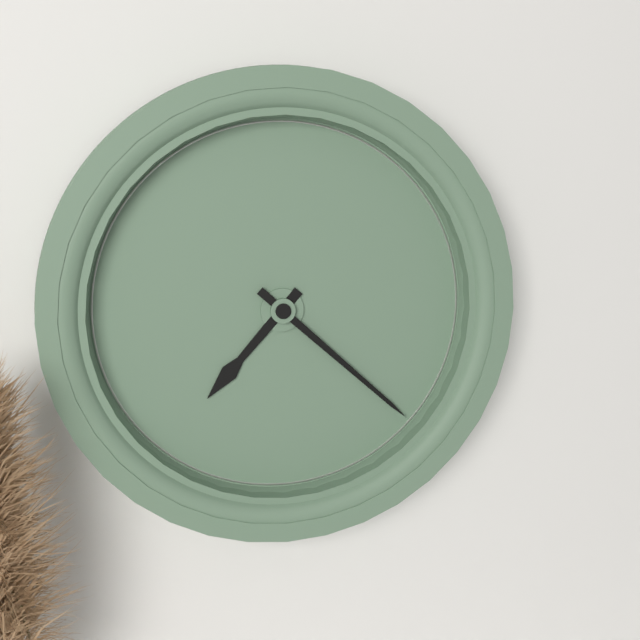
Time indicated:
{"hour": 7, "minute": 22}
